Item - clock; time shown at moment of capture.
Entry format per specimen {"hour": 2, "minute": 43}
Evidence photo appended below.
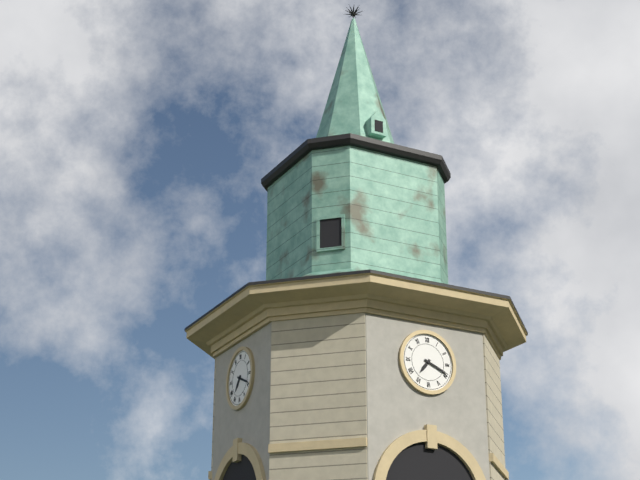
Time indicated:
{"hour": 7, "minute": 19}
